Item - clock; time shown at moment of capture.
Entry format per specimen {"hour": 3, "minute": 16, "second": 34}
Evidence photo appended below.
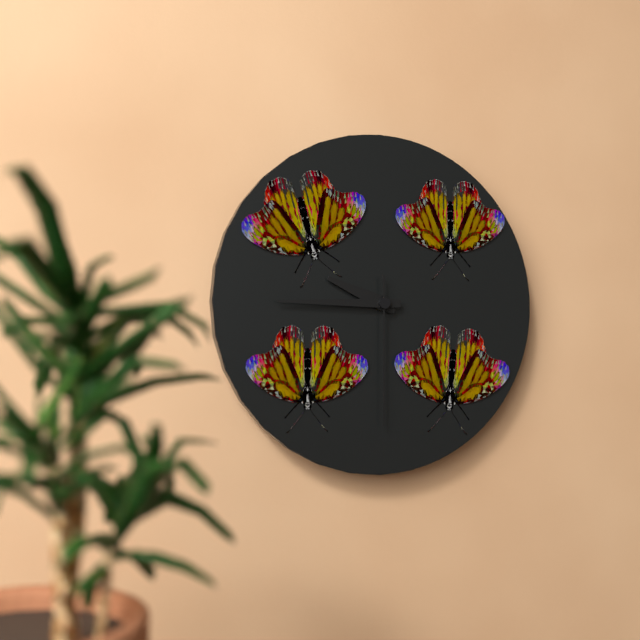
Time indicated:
{"hour": 9, "minute": 45, "second": 30}
